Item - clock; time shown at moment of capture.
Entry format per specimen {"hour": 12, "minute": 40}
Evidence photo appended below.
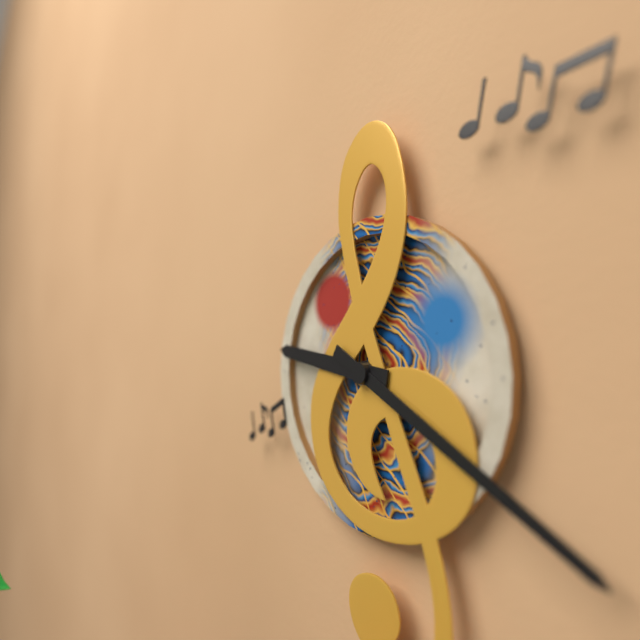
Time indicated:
{"hour": 9, "minute": 20}
